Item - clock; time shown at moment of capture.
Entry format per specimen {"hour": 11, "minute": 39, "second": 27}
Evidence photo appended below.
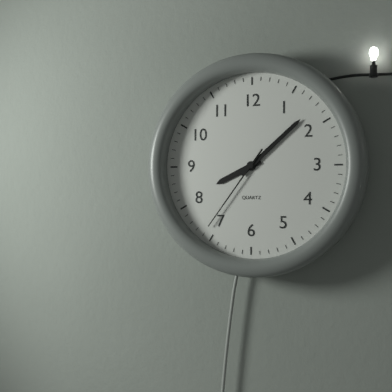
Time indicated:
{"hour": 8, "minute": 8, "second": 36}
